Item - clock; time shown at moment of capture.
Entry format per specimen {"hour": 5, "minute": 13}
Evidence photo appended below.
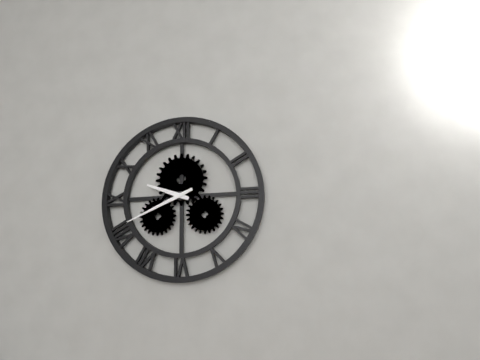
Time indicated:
{"hour": 9, "minute": 41}
